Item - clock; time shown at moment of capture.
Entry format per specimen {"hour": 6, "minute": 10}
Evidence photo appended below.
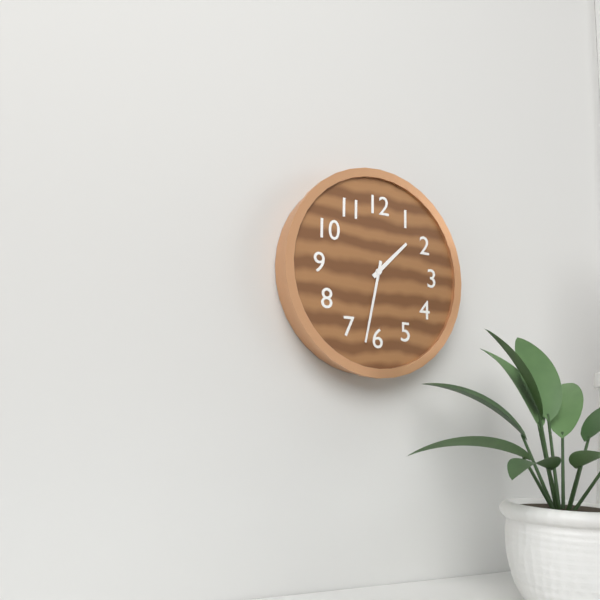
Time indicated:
{"hour": 1, "minute": 32}
